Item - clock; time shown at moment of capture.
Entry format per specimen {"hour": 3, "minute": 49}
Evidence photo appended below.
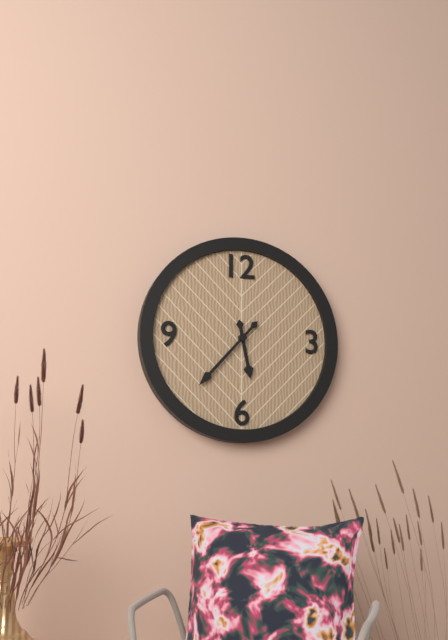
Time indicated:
{"hour": 5, "minute": 37}
